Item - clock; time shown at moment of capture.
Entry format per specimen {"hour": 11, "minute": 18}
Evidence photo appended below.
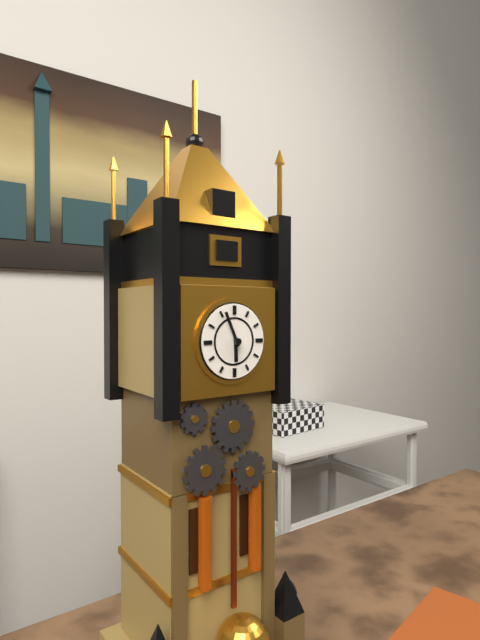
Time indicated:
{"hour": 5, "minute": 56}
